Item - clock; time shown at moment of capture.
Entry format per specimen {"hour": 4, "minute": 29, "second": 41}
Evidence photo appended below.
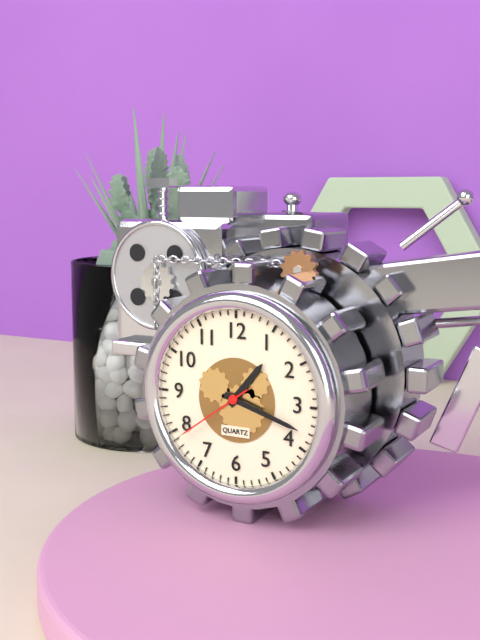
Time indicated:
{"hour": 1, "minute": 18, "second": 39}
